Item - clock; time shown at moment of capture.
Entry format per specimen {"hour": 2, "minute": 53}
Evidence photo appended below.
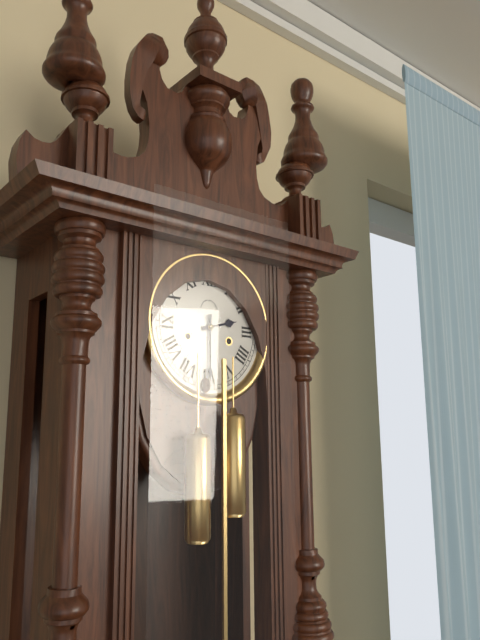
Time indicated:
{"hour": 2, "minute": 30}
